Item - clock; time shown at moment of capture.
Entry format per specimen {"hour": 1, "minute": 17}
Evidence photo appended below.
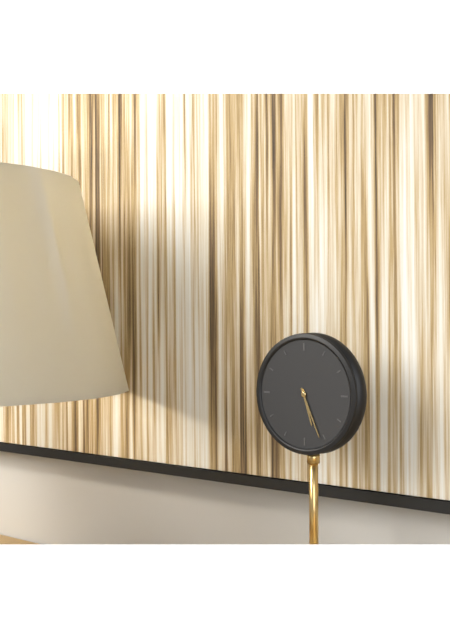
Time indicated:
{"hour": 5, "minute": 26}
